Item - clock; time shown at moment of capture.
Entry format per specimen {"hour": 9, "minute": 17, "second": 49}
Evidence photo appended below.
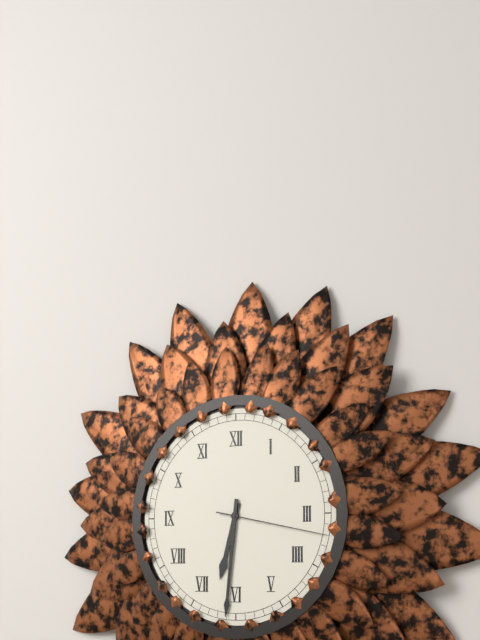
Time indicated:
{"hour": 6, "minute": 31, "second": 17}
